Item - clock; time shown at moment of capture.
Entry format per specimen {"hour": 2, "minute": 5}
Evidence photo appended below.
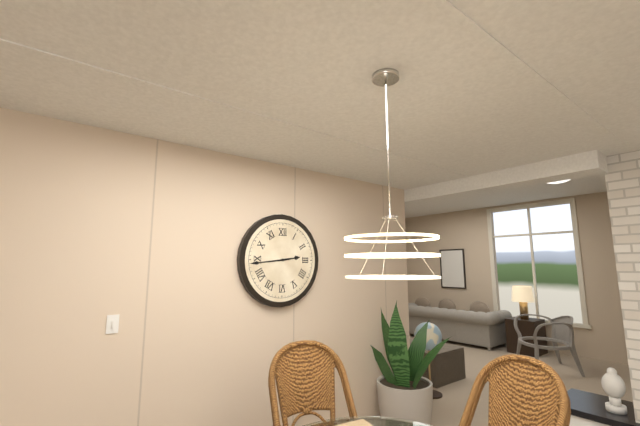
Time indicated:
{"hour": 2, "minute": 44}
